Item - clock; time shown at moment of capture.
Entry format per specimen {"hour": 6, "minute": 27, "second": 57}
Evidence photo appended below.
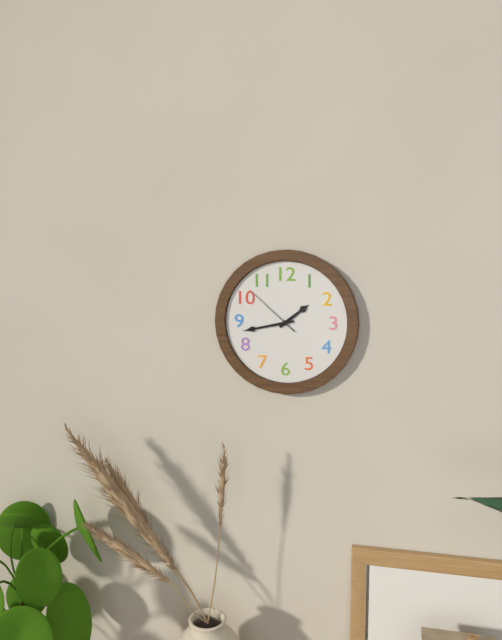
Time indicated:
{"hour": 1, "minute": 43, "second": 52}
